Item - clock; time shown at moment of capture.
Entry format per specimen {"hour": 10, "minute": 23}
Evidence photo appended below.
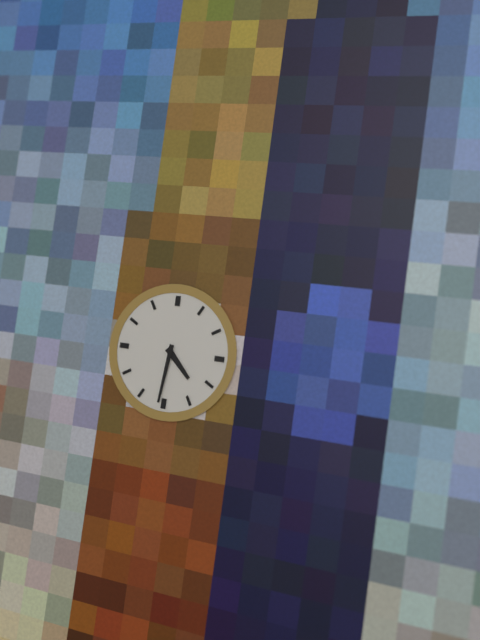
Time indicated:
{"hour": 4, "minute": 31}
